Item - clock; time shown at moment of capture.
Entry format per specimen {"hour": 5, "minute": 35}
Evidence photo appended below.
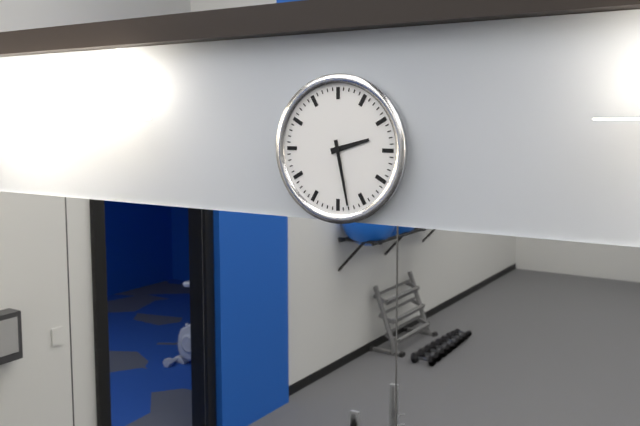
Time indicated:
{"hour": 2, "minute": 28}
